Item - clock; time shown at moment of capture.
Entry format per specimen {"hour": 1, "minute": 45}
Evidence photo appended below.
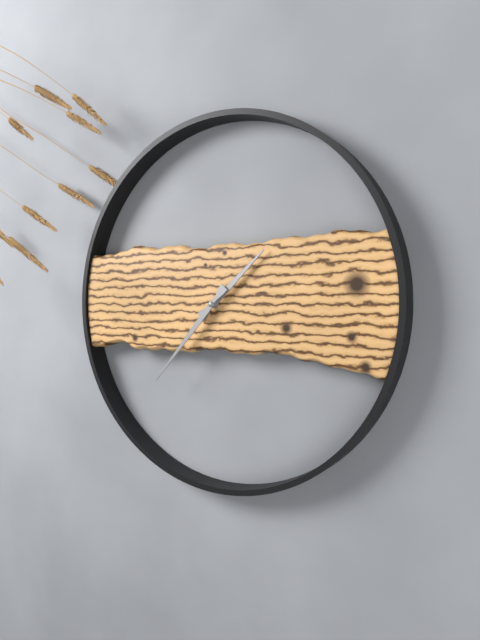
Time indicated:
{"hour": 1, "minute": 37}
